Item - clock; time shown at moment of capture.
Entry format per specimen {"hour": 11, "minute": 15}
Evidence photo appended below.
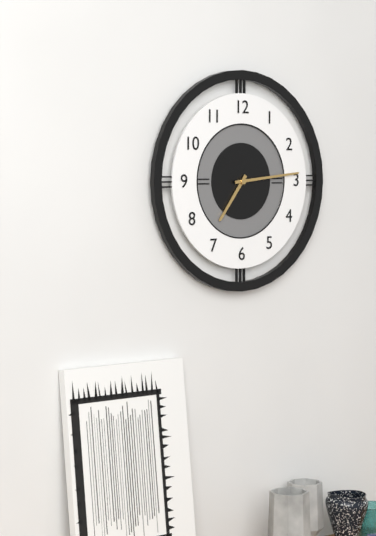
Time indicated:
{"hour": 7, "minute": 14}
